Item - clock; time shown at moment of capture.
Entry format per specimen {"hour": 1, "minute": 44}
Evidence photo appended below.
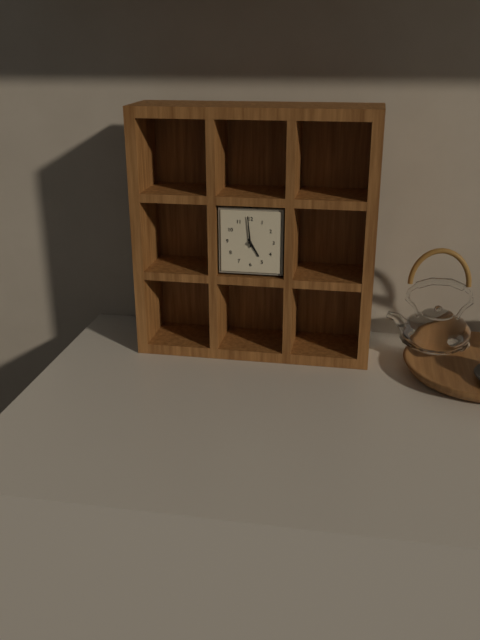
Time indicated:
{"hour": 4, "minute": 59}
